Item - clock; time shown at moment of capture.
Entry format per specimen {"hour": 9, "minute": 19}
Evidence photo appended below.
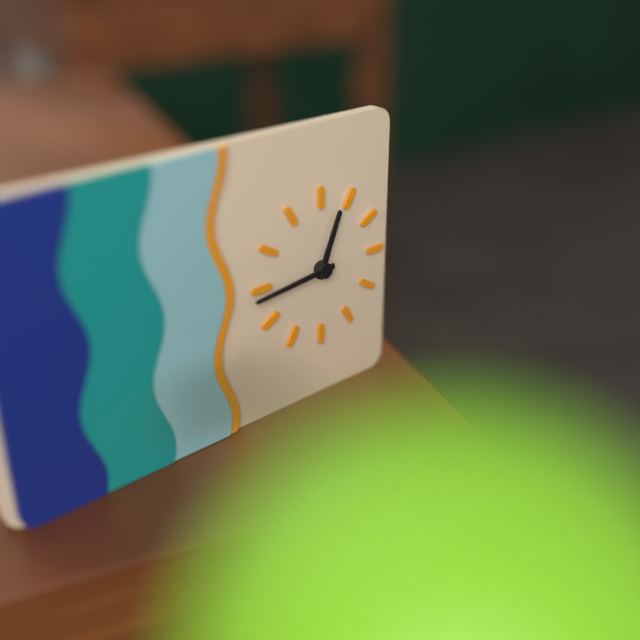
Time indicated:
{"hour": 12, "minute": 44}
